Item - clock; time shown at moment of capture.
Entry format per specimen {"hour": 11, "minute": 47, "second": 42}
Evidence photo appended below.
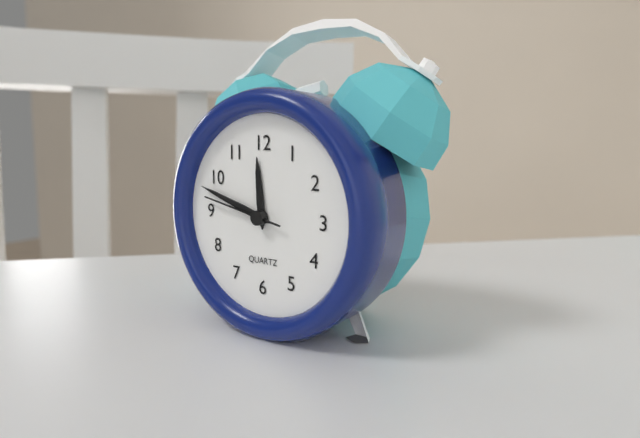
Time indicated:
{"hour": 11, "minute": 48, "second": 47}
